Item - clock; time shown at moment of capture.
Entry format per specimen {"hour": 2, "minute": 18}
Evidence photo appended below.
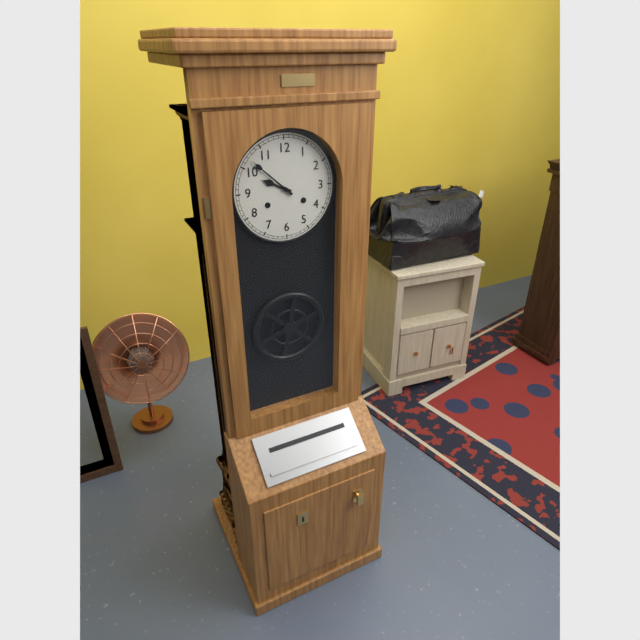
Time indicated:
{"hour": 9, "minute": 52}
